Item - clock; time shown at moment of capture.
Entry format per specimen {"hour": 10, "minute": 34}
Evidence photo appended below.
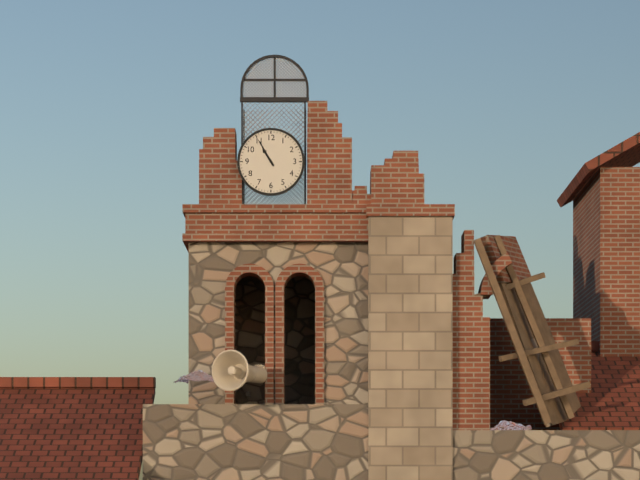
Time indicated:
{"hour": 10, "minute": 55}
